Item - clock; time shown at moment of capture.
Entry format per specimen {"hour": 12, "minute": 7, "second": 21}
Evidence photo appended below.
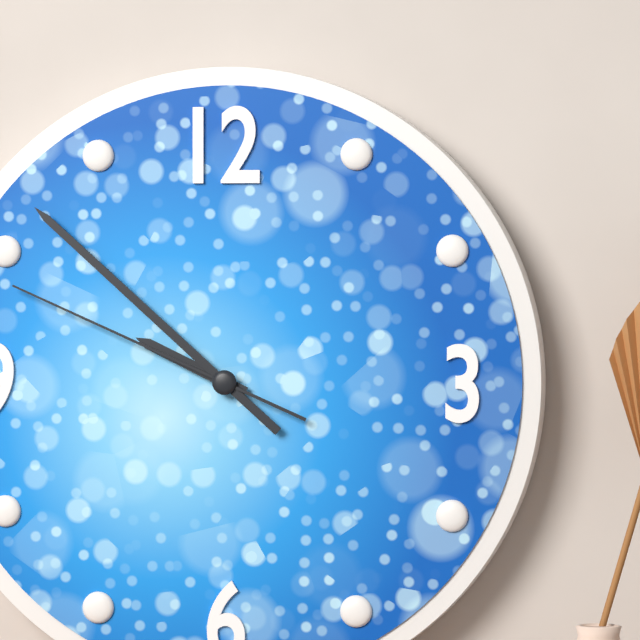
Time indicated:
{"hour": 9, "minute": 52, "second": 49}
